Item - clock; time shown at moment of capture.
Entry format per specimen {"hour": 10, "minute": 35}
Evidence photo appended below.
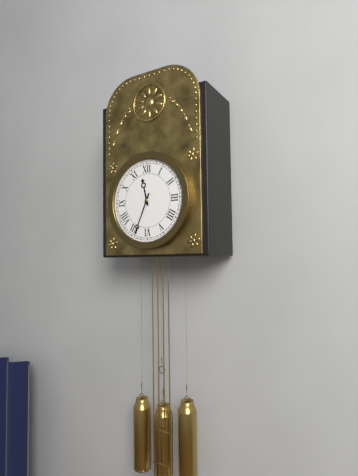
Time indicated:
{"hour": 11, "minute": 34}
